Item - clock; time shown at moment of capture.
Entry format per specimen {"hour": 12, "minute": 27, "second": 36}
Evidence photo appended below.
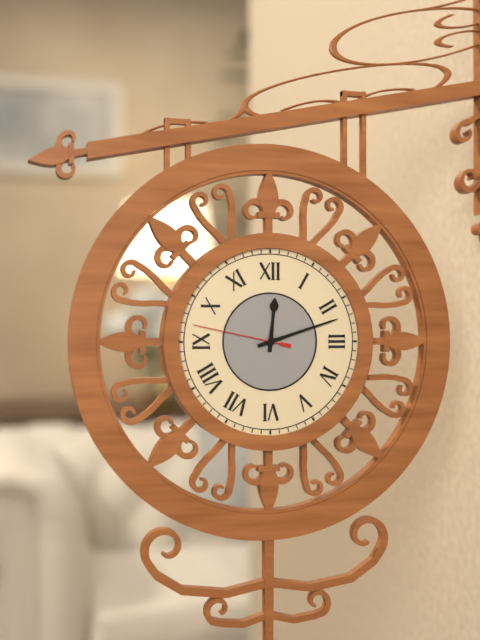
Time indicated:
{"hour": 12, "minute": 12, "second": 47}
